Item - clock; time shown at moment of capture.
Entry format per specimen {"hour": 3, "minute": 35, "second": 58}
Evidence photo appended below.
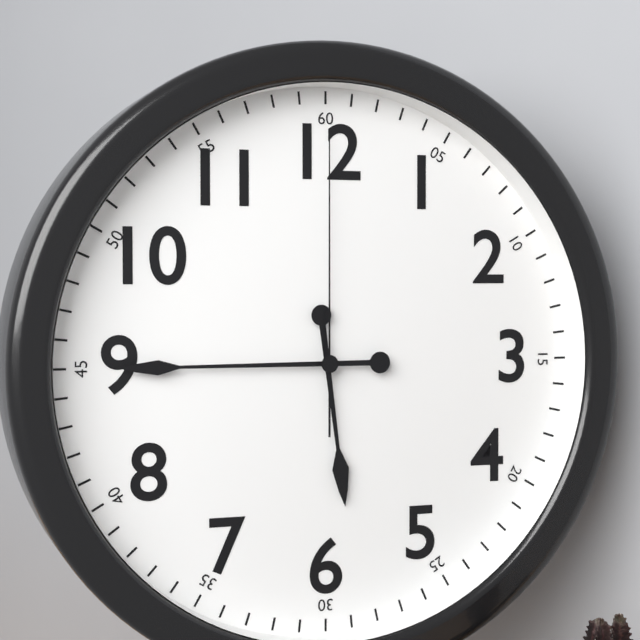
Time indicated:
{"hour": 5, "minute": 45, "second": 0}
